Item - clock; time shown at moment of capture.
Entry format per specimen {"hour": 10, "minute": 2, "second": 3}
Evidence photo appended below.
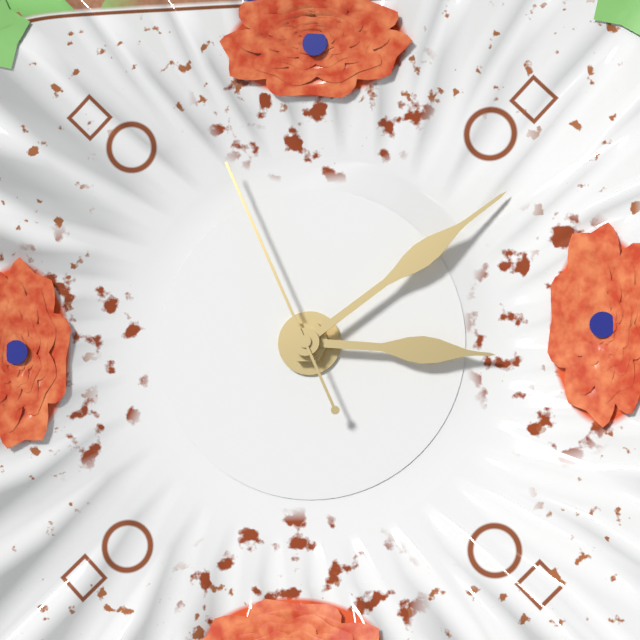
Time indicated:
{"hour": 3, "minute": 9, "second": 56}
